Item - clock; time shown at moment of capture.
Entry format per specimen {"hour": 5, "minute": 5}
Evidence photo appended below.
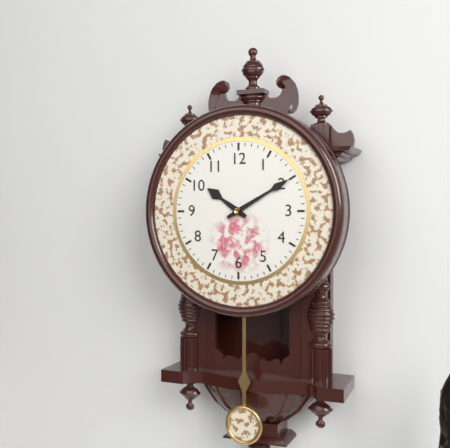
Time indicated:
{"hour": 10, "minute": 10}
